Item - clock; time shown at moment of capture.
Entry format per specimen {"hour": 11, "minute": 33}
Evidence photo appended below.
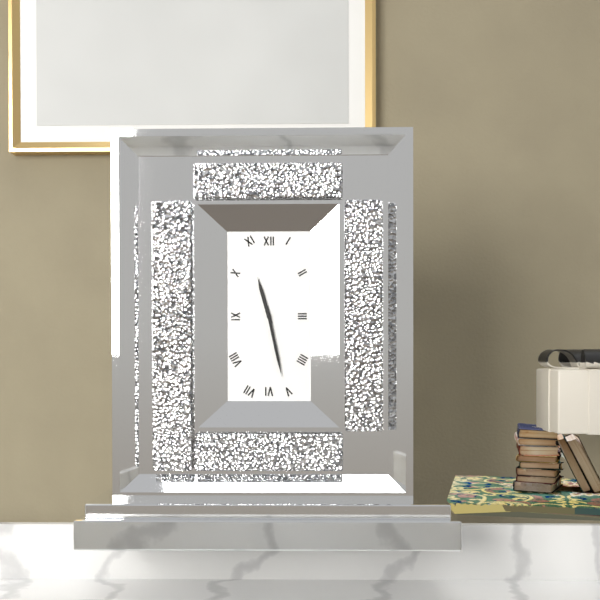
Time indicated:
{"hour": 11, "minute": 28}
